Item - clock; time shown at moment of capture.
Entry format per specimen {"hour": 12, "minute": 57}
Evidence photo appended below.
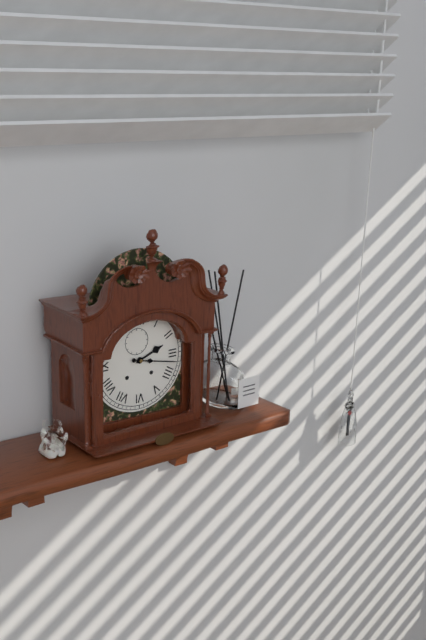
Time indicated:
{"hour": 2, "minute": 17}
